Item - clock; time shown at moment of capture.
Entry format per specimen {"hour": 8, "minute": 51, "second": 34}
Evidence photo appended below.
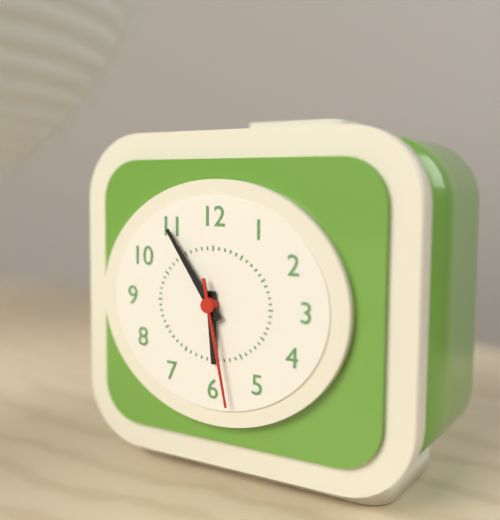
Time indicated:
{"hour": 5, "minute": 54, "second": 28}
